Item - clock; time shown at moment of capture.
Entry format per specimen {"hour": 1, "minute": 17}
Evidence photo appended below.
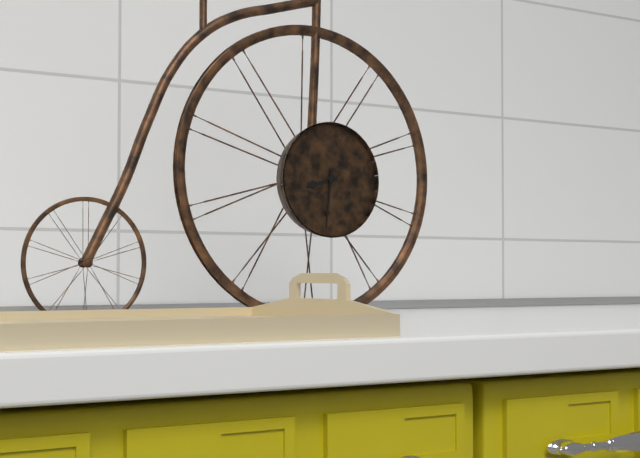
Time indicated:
{"hour": 8, "minute": 31}
